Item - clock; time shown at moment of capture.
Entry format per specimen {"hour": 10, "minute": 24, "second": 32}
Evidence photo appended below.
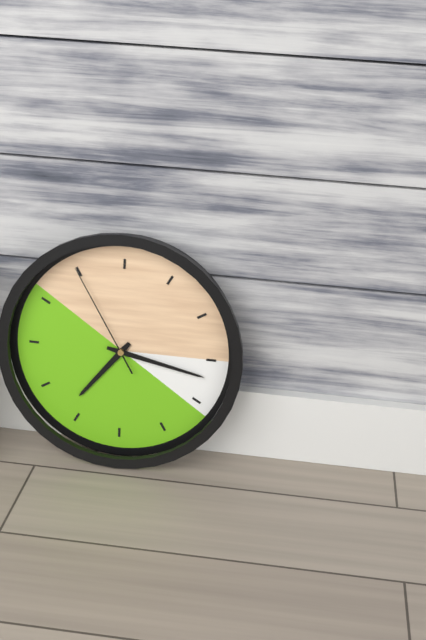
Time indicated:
{"hour": 7, "minute": 17, "second": 55}
